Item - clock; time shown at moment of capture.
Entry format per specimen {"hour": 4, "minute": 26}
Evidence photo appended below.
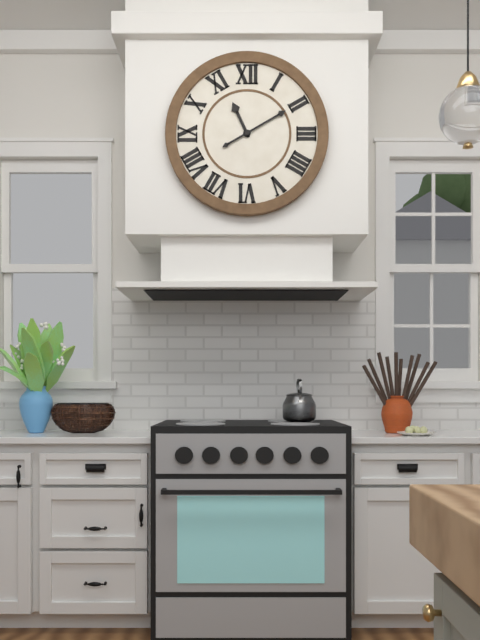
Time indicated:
{"hour": 11, "minute": 10}
